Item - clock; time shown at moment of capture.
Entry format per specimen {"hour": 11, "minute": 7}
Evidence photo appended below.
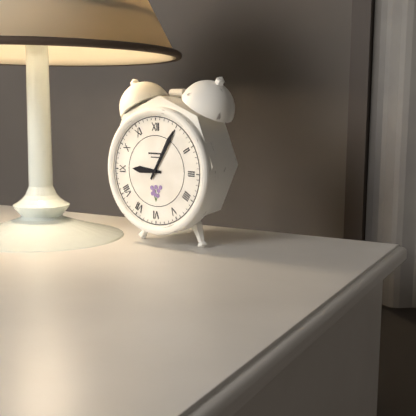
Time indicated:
{"hour": 9, "minute": 5}
